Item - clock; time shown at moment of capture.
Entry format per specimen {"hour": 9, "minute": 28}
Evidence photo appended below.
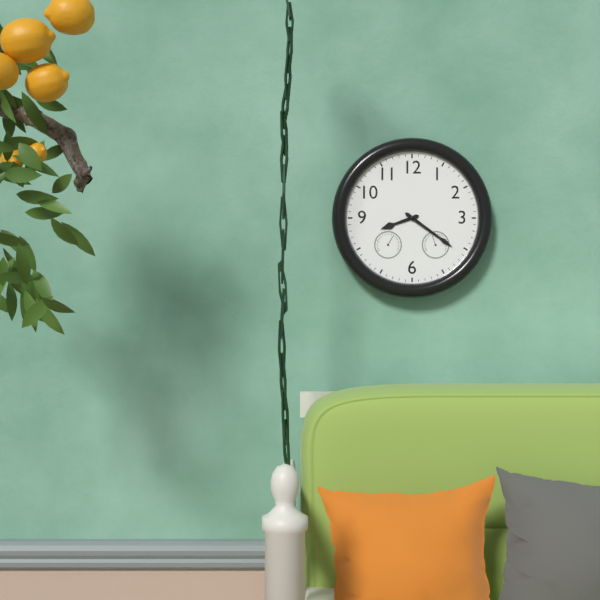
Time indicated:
{"hour": 8, "minute": 21}
